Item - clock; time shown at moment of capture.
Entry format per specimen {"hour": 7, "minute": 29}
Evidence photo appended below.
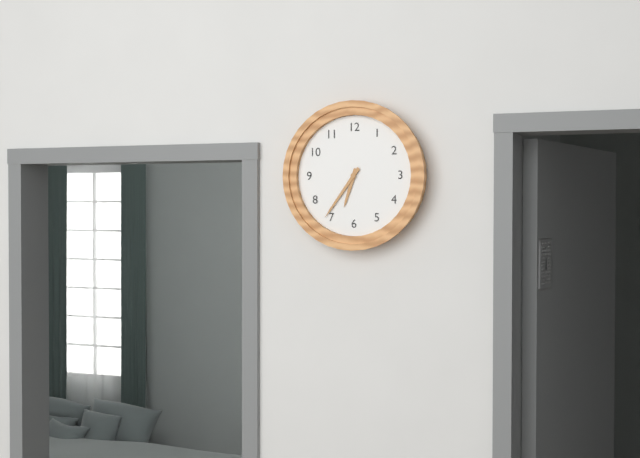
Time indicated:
{"hour": 6, "minute": 36}
